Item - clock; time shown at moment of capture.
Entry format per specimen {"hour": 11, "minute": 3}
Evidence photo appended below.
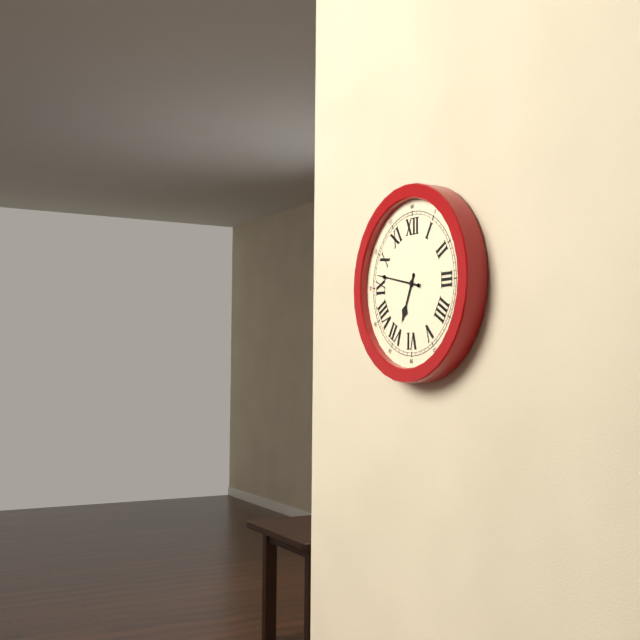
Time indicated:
{"hour": 6, "minute": 47}
